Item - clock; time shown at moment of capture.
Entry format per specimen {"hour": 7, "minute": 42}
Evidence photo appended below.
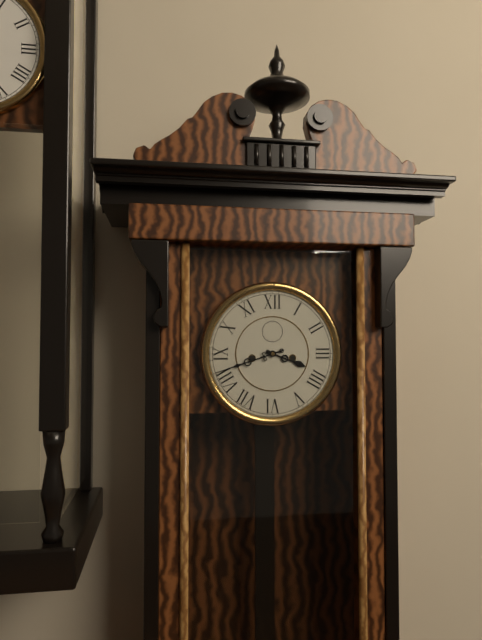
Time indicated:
{"hour": 3, "minute": 42}
